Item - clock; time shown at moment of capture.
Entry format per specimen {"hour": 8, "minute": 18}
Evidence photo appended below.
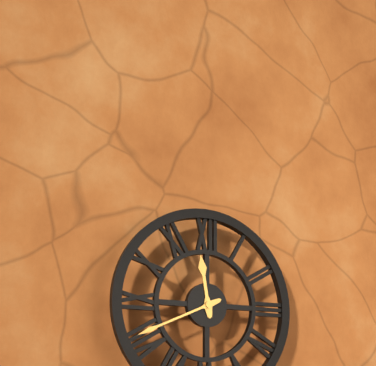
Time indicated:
{"hour": 11, "minute": 41}
